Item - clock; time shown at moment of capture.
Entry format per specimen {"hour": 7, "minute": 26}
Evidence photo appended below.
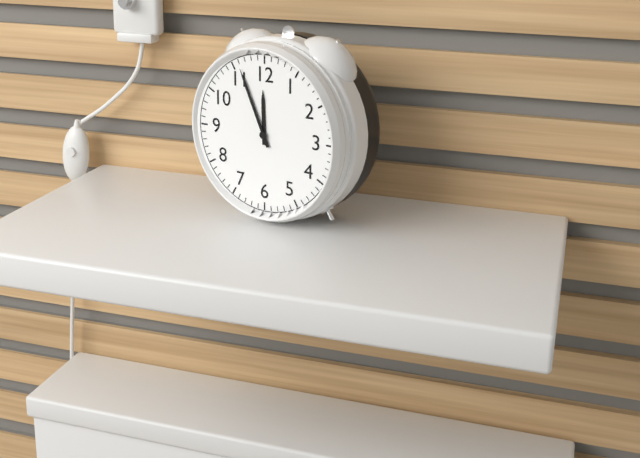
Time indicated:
{"hour": 11, "minute": 56}
